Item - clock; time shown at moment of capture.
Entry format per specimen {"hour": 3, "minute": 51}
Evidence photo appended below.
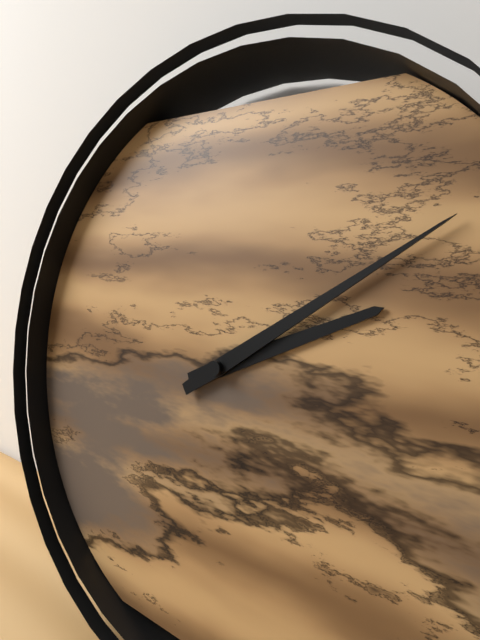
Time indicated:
{"hour": 2, "minute": 9}
